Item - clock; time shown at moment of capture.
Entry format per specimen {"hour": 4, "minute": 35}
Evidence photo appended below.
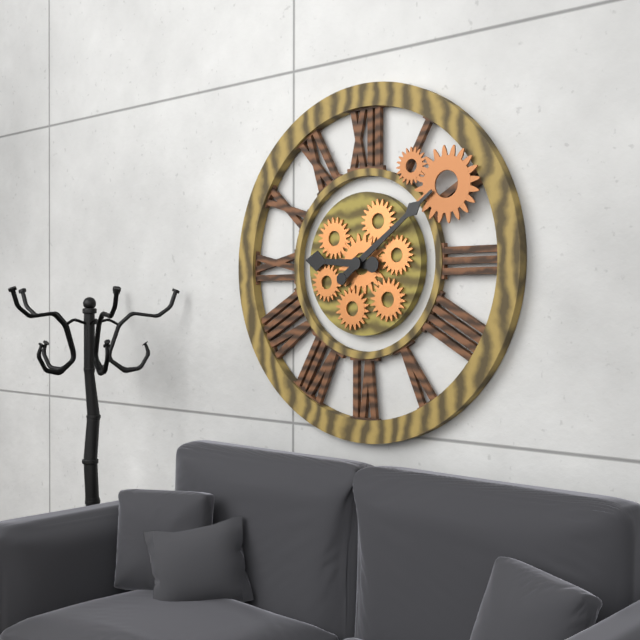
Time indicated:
{"hour": 9, "minute": 9}
